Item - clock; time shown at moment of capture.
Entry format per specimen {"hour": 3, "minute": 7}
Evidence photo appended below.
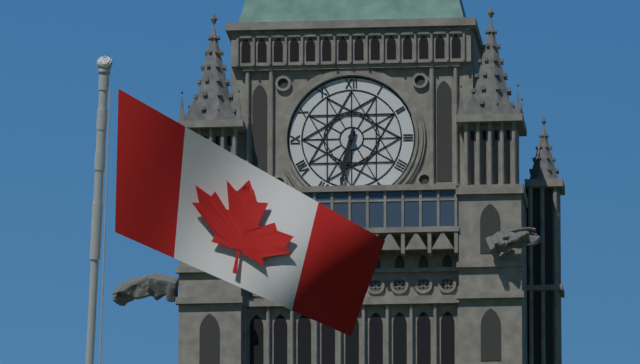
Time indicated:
{"hour": 6, "minute": 32}
